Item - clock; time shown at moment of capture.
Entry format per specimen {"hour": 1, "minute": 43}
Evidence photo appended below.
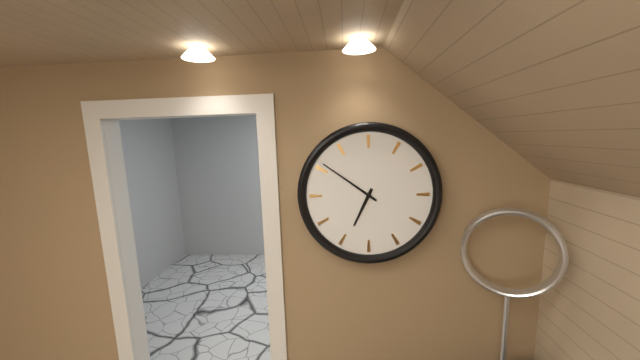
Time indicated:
{"hour": 6, "minute": 51}
